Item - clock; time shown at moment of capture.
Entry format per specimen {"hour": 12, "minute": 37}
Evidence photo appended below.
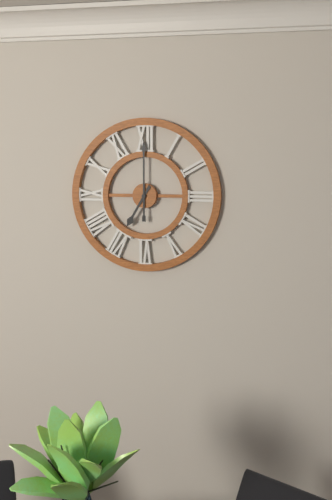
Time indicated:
{"hour": 7, "minute": 0}
